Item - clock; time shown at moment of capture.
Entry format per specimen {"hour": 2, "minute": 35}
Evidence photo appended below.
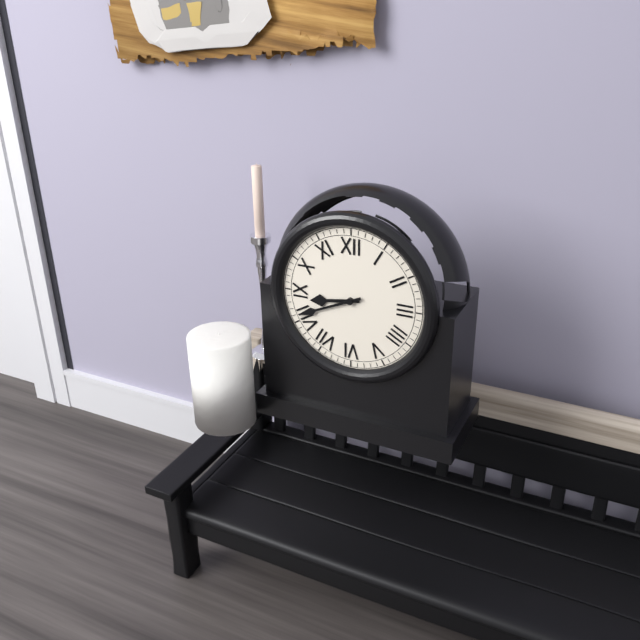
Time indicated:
{"hour": 8, "minute": 41}
